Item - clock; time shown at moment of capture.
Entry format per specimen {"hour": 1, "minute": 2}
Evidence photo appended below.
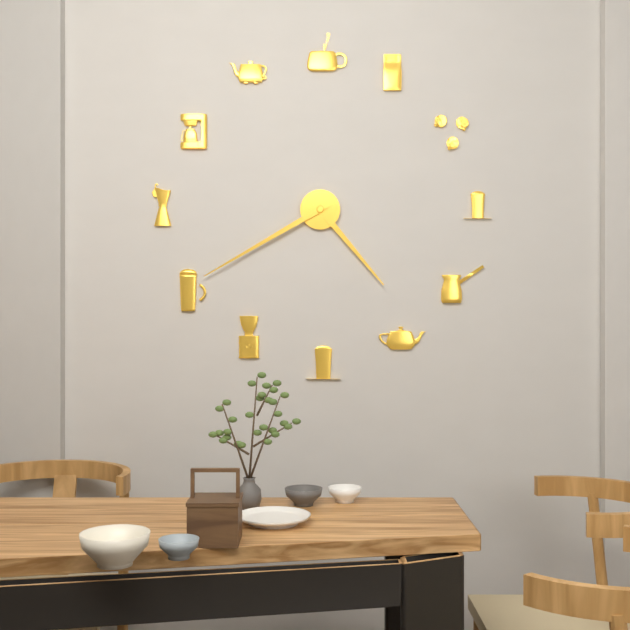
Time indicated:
{"hour": 4, "minute": 40}
